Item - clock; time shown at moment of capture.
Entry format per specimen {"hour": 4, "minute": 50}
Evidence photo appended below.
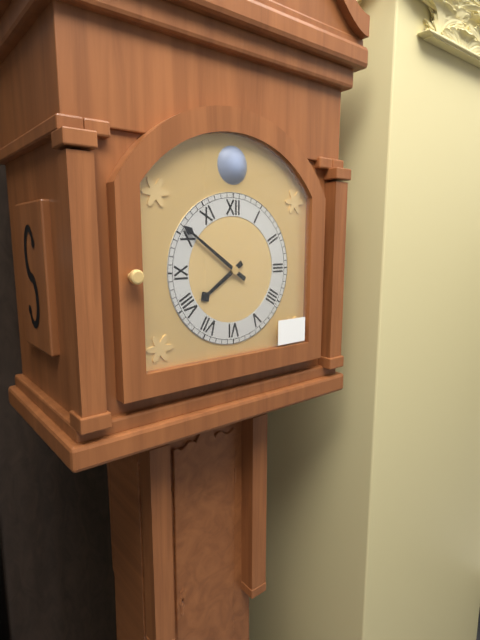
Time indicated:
{"hour": 7, "minute": 51}
